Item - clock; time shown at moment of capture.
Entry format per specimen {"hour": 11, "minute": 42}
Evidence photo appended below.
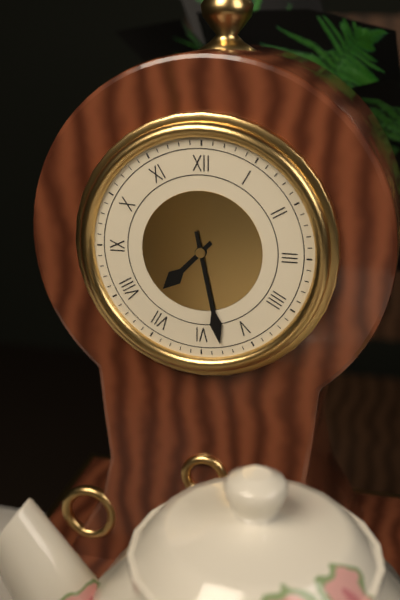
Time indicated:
{"hour": 7, "minute": 28}
